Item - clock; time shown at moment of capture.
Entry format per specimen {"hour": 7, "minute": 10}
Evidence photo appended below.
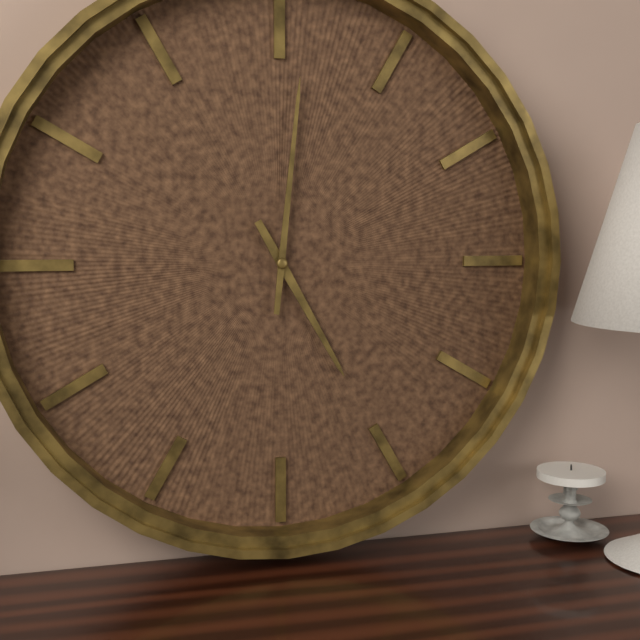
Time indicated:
{"hour": 5, "minute": 1}
